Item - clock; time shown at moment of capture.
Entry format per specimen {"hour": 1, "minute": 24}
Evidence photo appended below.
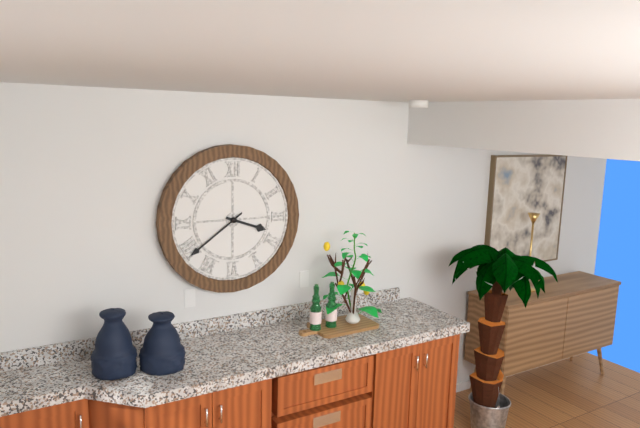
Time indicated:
{"hour": 3, "minute": 39}
